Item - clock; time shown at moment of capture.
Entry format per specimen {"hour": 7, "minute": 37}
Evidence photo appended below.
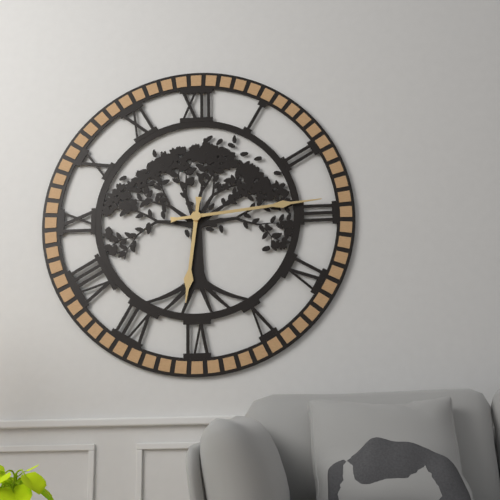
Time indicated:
{"hour": 6, "minute": 14}
